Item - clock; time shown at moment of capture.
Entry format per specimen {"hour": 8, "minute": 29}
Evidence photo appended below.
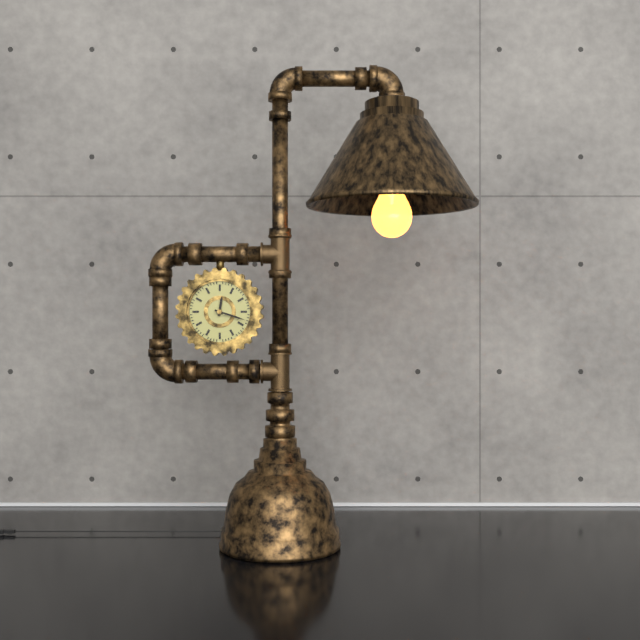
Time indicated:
{"hour": 12, "minute": 18}
